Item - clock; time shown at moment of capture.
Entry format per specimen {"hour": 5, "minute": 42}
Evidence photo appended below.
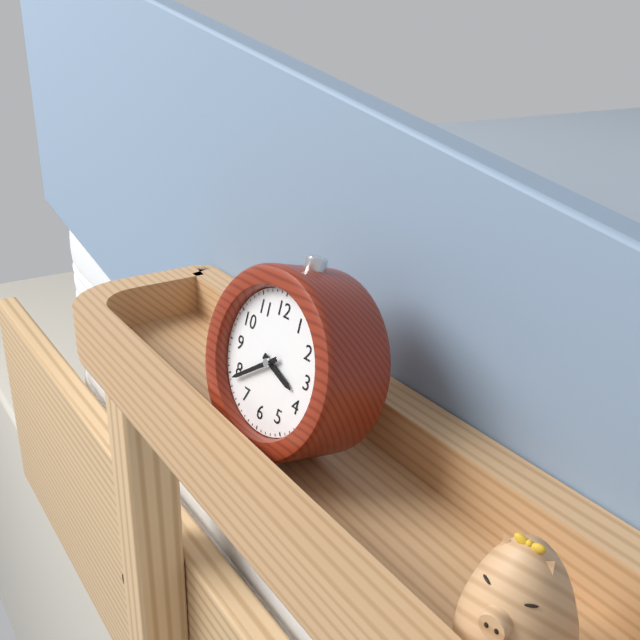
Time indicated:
{"hour": 3, "minute": 39}
